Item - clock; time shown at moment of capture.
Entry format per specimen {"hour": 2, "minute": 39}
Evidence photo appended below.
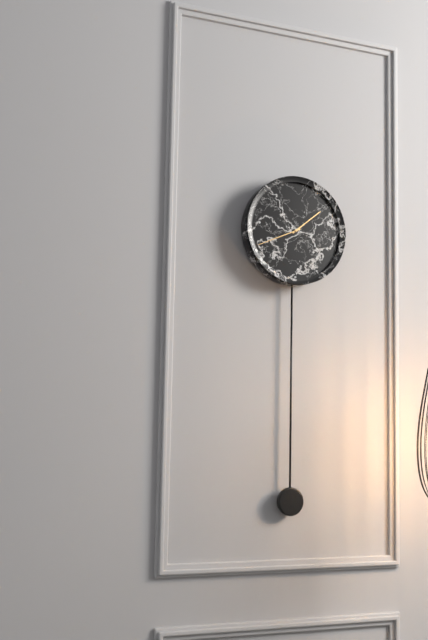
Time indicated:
{"hour": 1, "minute": 41}
